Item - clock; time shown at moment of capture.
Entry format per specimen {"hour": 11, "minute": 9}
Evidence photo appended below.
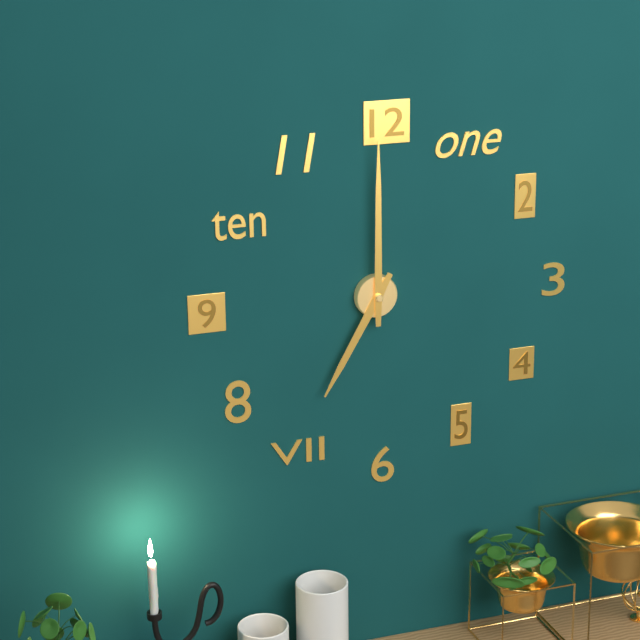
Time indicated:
{"hour": 7, "minute": 0}
